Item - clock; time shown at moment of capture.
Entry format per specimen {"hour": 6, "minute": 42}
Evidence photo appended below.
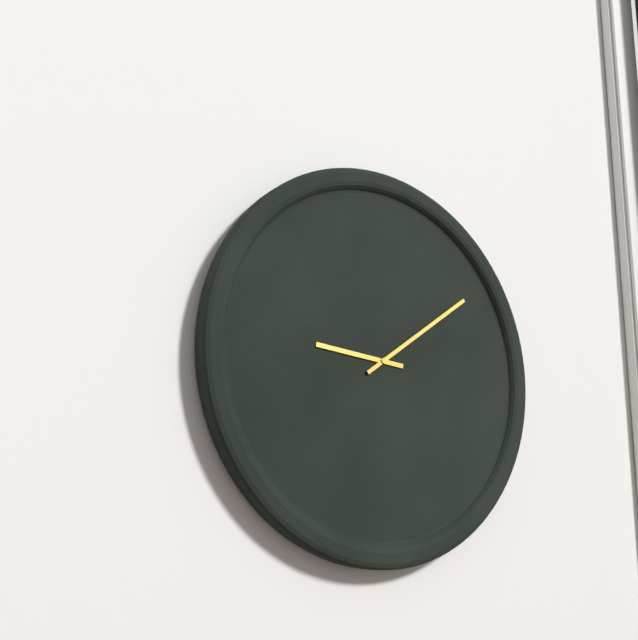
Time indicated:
{"hour": 9, "minute": 9}
